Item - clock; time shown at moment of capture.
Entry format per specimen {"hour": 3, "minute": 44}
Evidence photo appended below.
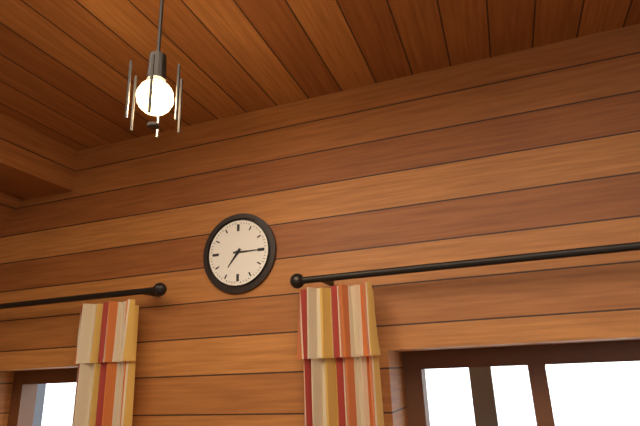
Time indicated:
{"hour": 7, "minute": 15}
